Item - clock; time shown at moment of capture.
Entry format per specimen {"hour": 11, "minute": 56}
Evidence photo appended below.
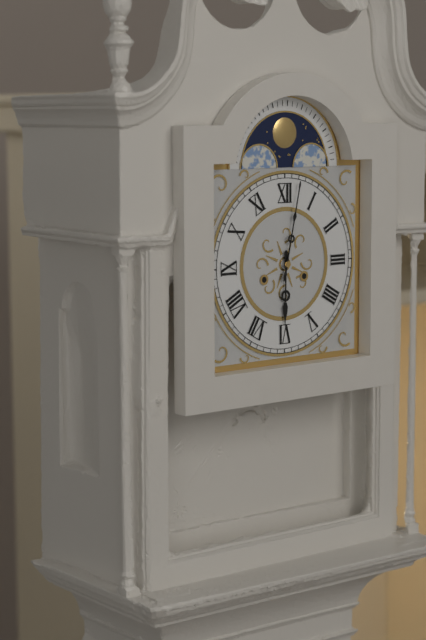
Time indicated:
{"hour": 6, "minute": 2}
